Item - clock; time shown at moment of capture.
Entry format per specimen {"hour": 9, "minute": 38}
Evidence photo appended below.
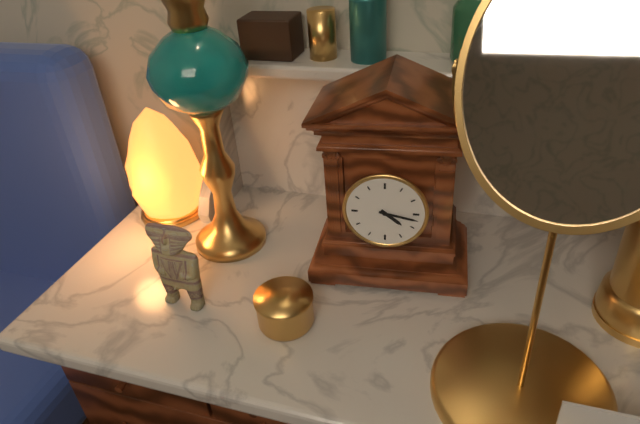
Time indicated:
{"hour": 4, "minute": 17}
